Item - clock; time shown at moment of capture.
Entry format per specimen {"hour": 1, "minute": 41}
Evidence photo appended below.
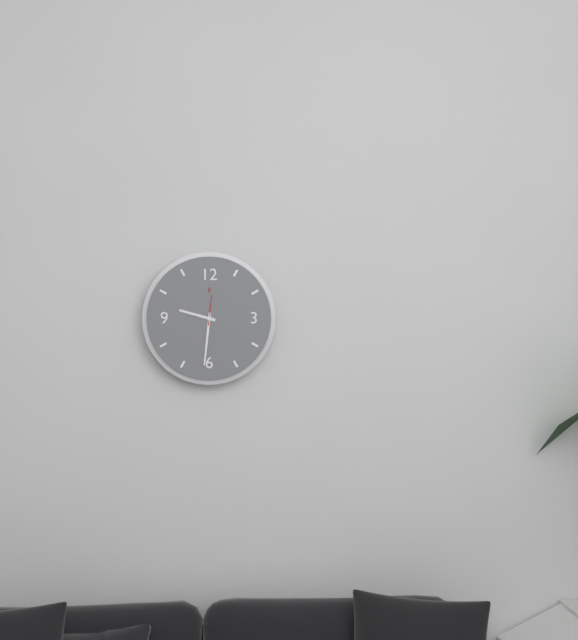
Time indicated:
{"hour": 9, "minute": 31}
